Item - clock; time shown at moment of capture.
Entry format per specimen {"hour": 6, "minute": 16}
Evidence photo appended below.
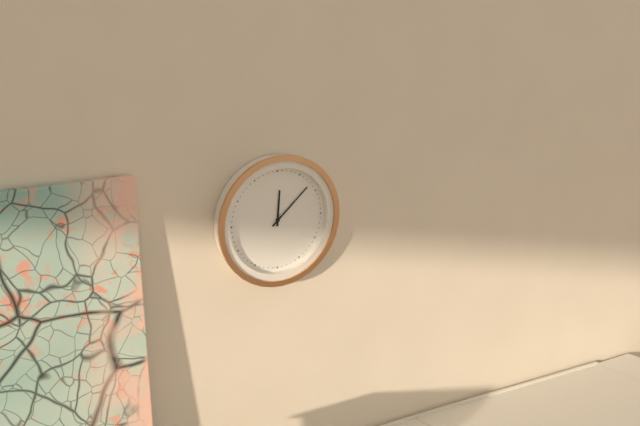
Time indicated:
{"hour": 12, "minute": 8}
